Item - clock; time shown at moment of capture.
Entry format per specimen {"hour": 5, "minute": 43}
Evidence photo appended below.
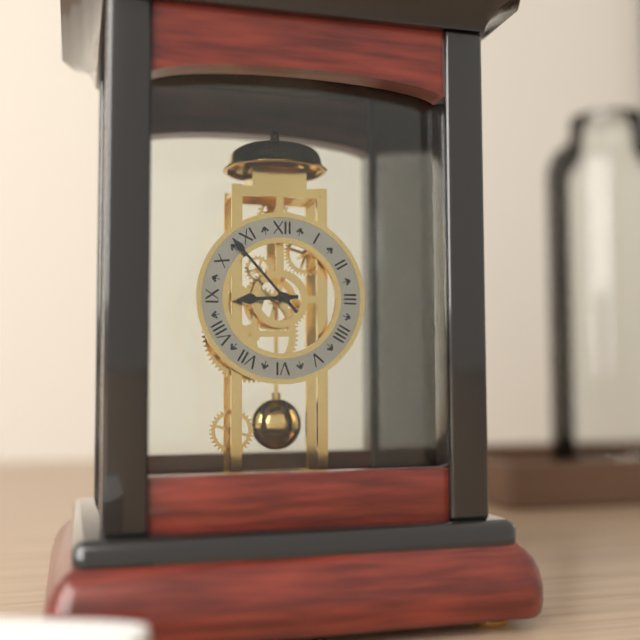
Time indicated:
{"hour": 8, "minute": 53}
